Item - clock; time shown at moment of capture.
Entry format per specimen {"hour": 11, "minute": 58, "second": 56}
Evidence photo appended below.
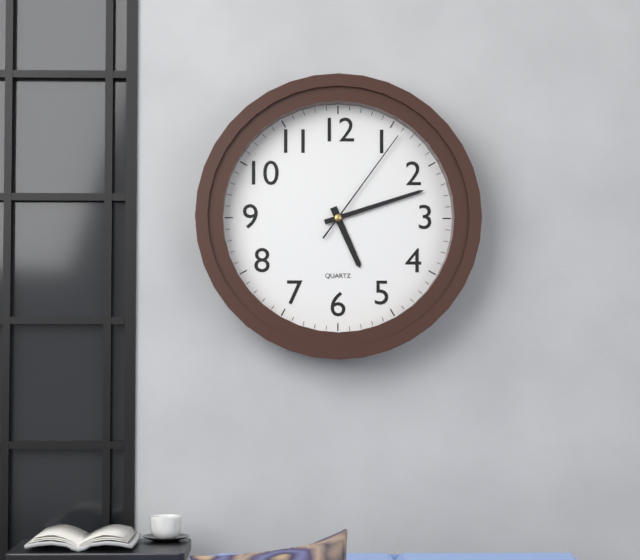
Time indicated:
{"hour": 5, "minute": 12, "second": 6}
